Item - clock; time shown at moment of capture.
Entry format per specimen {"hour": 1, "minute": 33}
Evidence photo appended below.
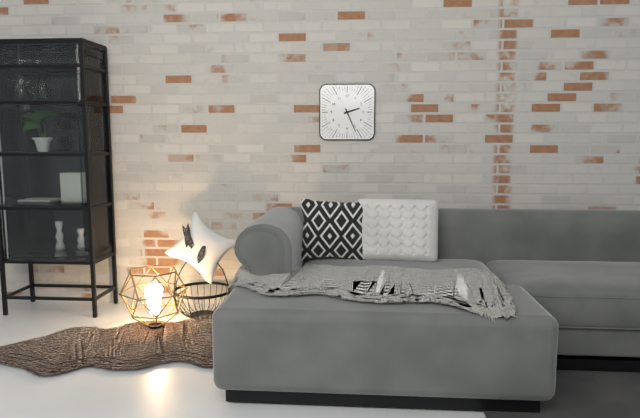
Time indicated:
{"hour": 2, "minute": 26}
